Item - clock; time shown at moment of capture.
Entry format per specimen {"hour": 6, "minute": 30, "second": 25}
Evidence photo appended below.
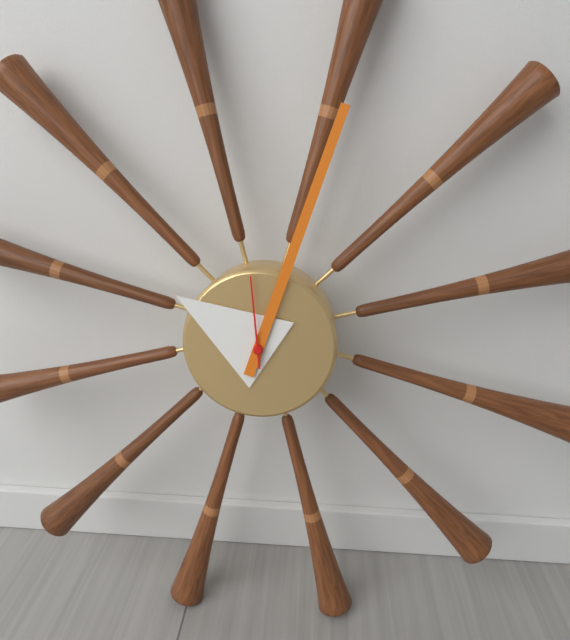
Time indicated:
{"hour": 10, "minute": 3, "second": 59}
